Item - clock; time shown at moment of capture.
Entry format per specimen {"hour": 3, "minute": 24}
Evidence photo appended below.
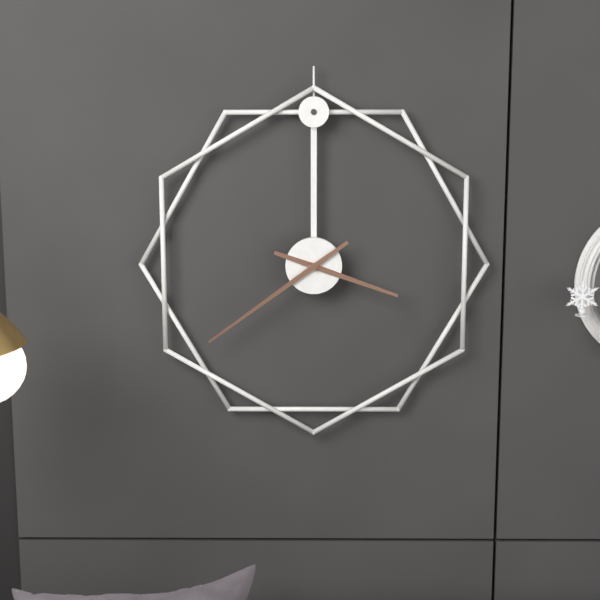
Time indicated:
{"hour": 3, "minute": 39}
